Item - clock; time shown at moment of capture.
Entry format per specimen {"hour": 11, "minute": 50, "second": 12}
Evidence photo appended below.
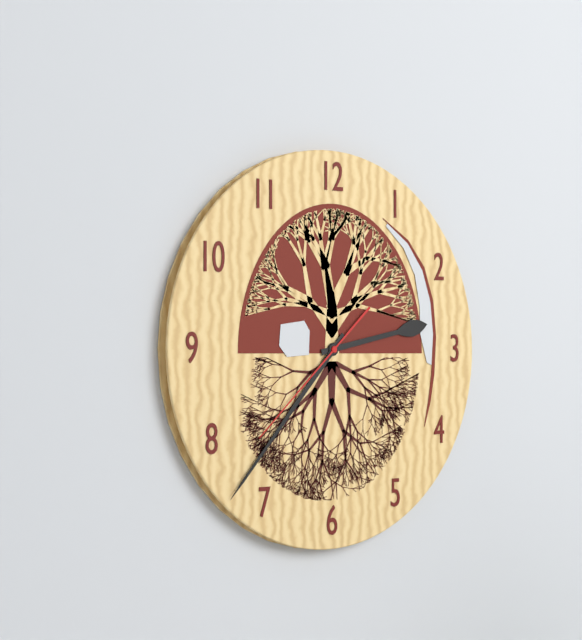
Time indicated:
{"hour": 2, "minute": 37, "second": 38}
